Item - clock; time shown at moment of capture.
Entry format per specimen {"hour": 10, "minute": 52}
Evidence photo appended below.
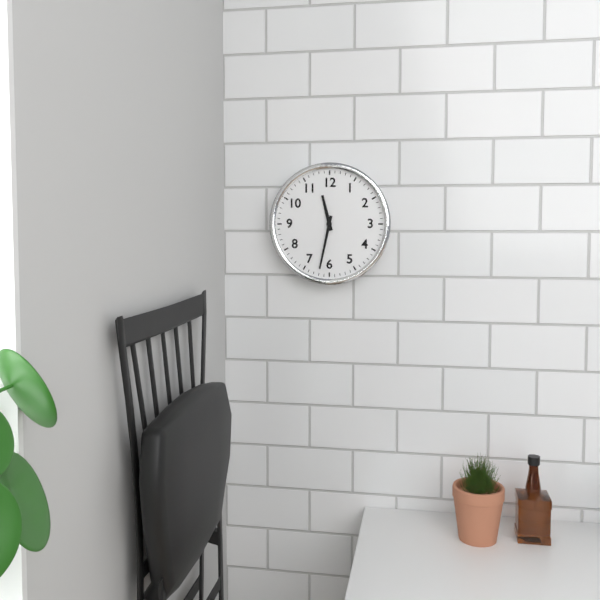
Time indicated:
{"hour": 11, "minute": 32}
